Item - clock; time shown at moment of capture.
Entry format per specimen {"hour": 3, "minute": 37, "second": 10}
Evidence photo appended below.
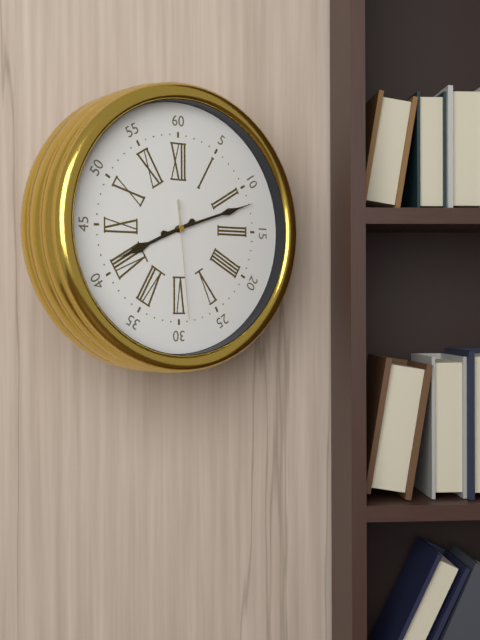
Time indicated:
{"hour": 8, "minute": 12, "second": 29}
